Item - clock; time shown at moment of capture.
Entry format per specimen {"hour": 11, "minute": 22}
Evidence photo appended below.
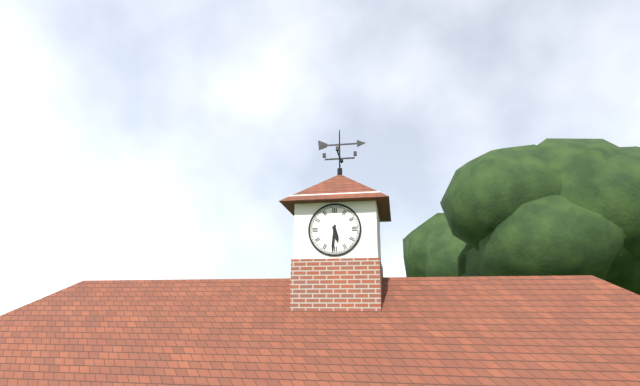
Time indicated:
{"hour": 5, "minute": 31}
